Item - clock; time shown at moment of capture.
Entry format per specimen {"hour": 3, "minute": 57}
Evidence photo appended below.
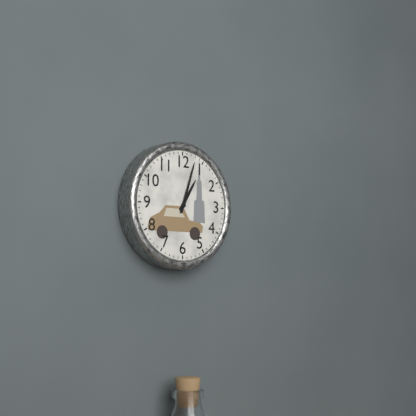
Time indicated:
{"hour": 1, "minute": 3}
